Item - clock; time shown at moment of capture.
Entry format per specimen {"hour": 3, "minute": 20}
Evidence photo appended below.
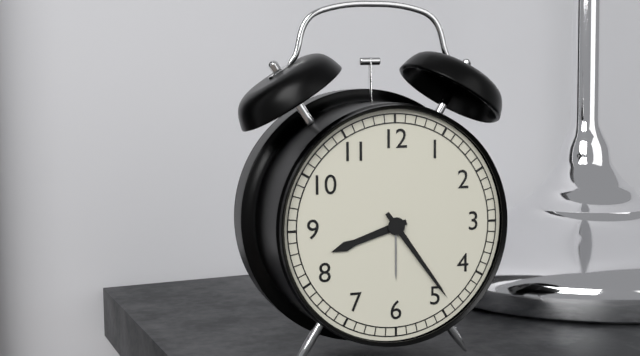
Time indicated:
{"hour": 8, "minute": 24}
